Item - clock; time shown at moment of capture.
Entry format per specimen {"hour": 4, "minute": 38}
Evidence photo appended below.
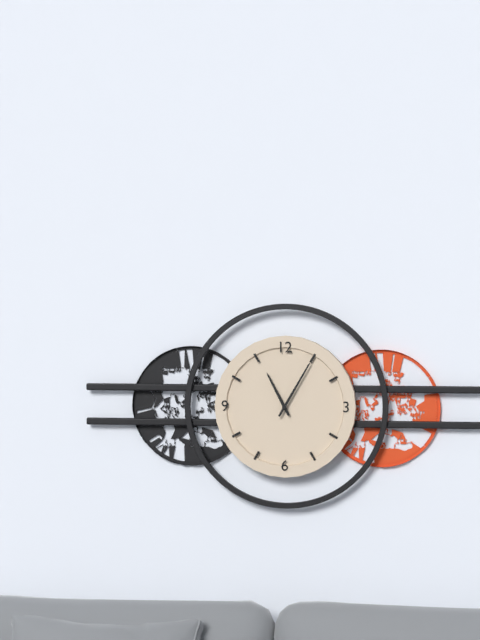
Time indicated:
{"hour": 11, "minute": 5}
